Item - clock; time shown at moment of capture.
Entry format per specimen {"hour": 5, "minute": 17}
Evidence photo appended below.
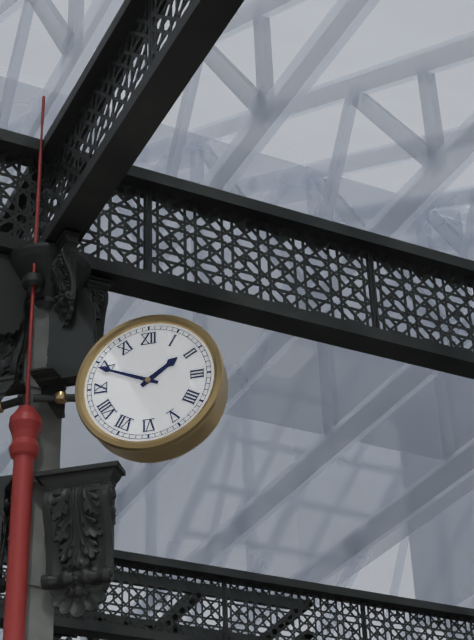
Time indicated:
{"hour": 1, "minute": 49}
